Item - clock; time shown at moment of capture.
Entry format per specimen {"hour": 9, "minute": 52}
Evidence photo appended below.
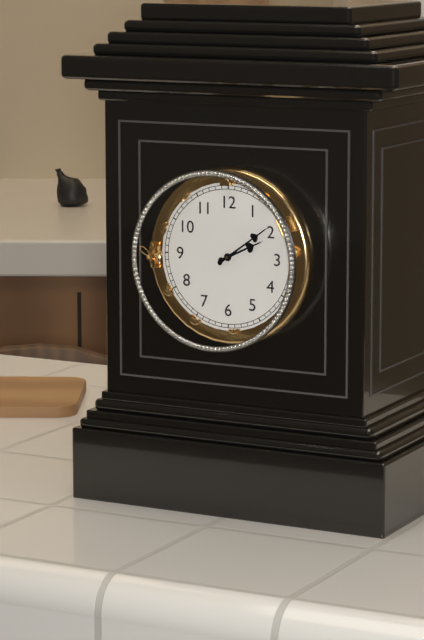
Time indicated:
{"hour": 2, "minute": 9}
